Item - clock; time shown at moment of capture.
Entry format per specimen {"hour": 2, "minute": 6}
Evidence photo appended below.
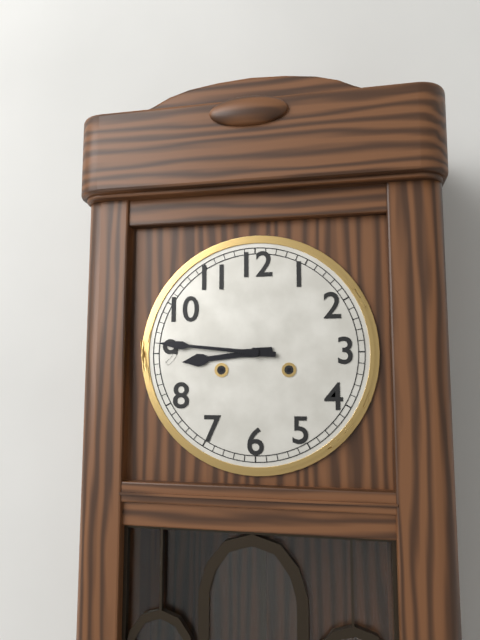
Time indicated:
{"hour": 8, "minute": 46}
